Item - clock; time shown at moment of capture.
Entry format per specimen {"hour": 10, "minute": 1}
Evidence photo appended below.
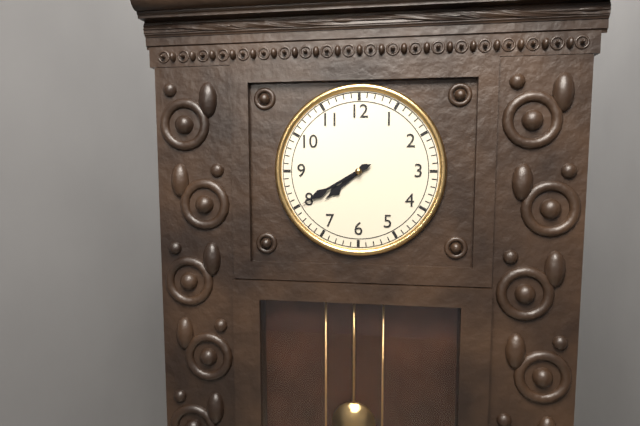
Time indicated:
{"hour": 7, "minute": 40}
